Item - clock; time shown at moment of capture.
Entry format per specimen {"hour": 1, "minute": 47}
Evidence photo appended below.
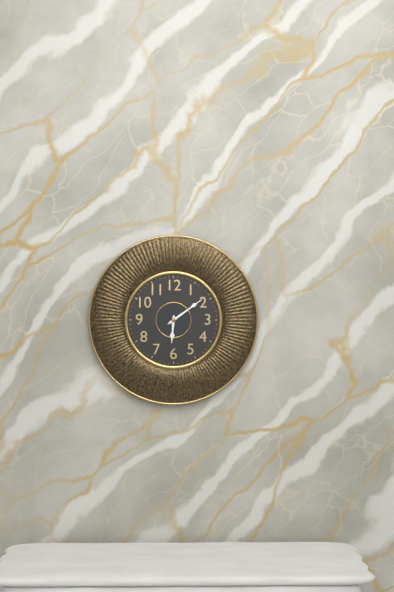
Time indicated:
{"hour": 6, "minute": 9}
